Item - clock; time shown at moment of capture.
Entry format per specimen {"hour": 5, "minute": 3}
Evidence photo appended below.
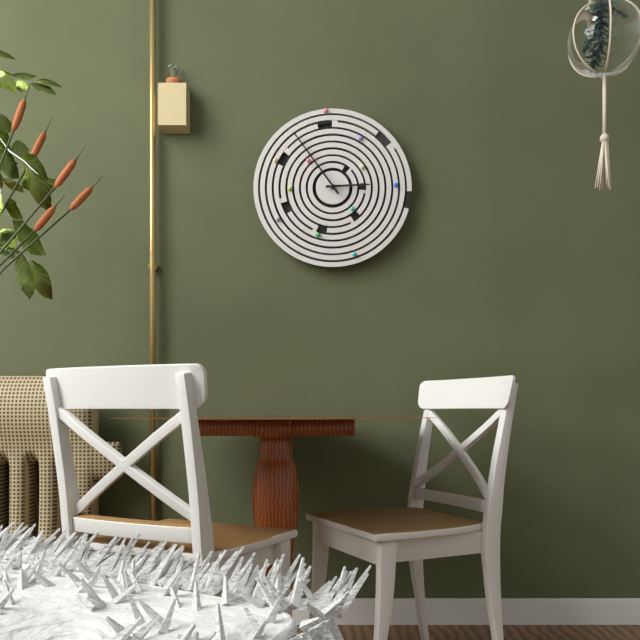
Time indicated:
{"hour": 2, "minute": 54}
